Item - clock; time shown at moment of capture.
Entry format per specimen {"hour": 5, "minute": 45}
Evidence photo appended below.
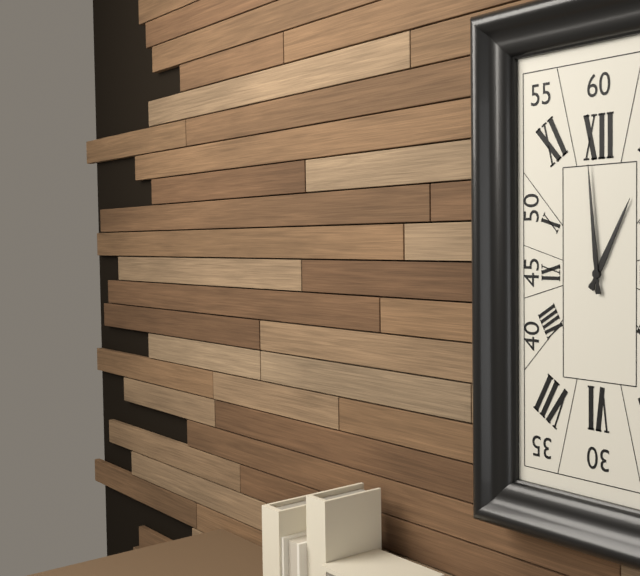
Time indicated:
{"hour": 12, "minute": 59}
